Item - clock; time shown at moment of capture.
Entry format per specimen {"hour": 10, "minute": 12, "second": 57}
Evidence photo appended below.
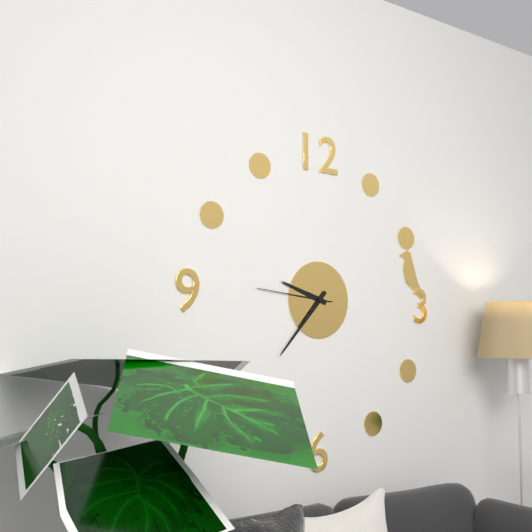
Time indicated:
{"hour": 9, "minute": 37, "second": 46}
